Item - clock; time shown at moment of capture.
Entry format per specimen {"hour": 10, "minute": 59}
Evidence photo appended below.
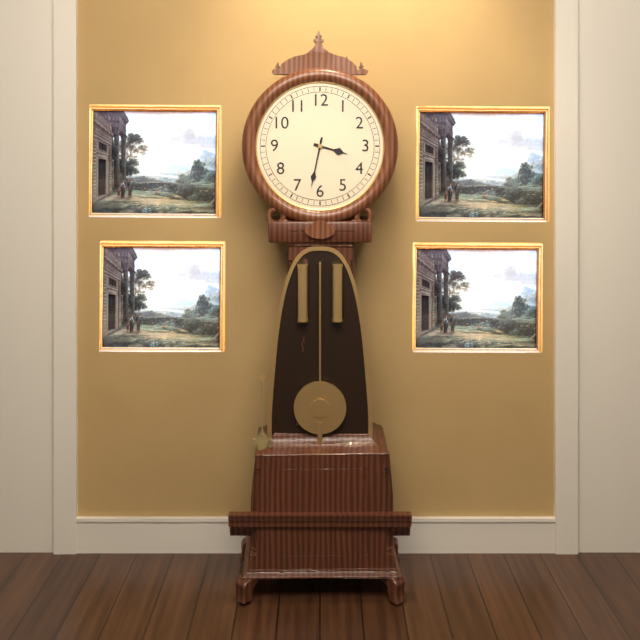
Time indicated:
{"hour": 3, "minute": 32}
